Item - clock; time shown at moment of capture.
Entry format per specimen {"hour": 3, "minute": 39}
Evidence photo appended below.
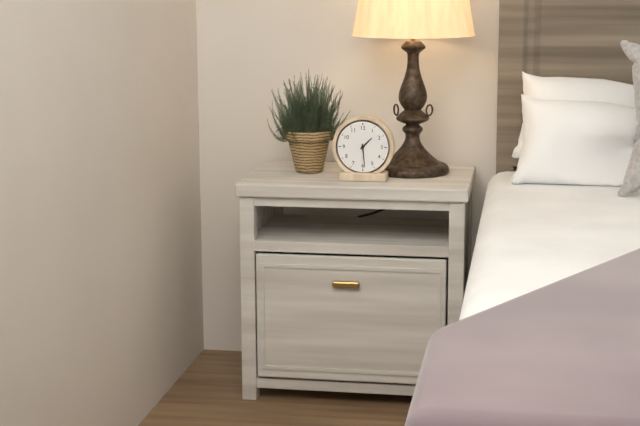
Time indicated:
{"hour": 1, "minute": 29}
